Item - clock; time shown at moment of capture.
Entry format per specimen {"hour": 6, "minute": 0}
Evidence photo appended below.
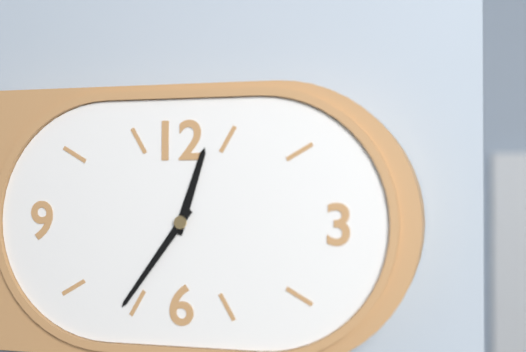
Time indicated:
{"hour": 12, "minute": 36}
